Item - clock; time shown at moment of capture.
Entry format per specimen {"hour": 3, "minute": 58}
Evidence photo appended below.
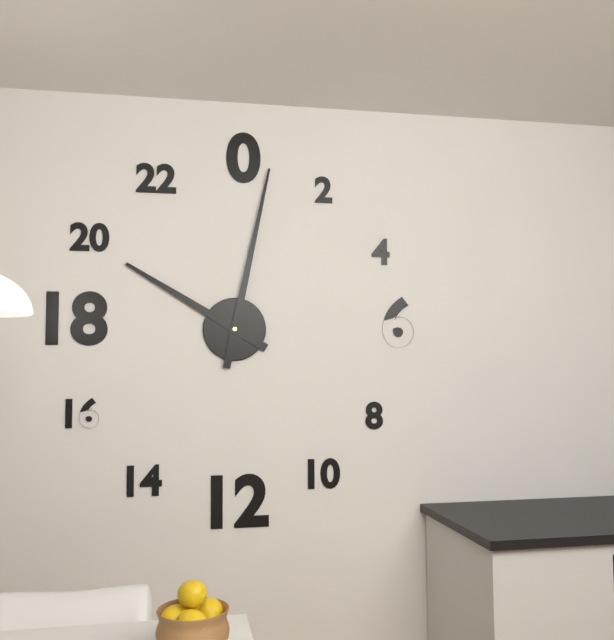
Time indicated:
{"hour": 10, "minute": 2}
